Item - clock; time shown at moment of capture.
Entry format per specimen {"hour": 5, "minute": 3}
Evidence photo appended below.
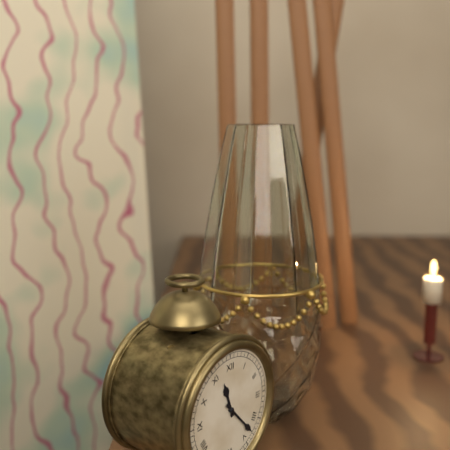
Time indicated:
{"hour": 11, "minute": 23}
